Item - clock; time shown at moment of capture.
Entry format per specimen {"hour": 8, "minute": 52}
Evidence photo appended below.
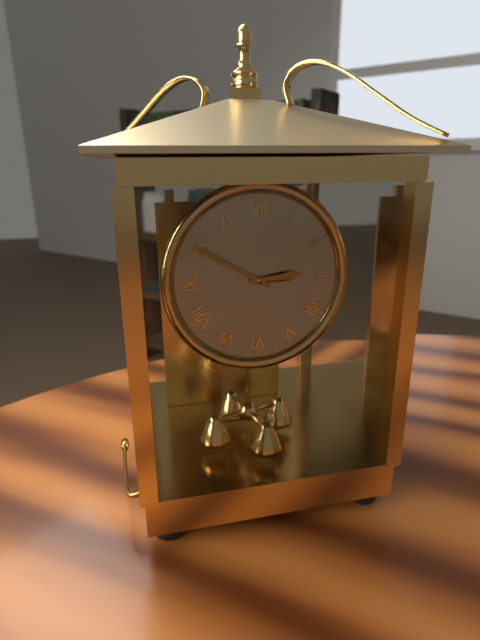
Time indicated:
{"hour": 2, "minute": 50}
